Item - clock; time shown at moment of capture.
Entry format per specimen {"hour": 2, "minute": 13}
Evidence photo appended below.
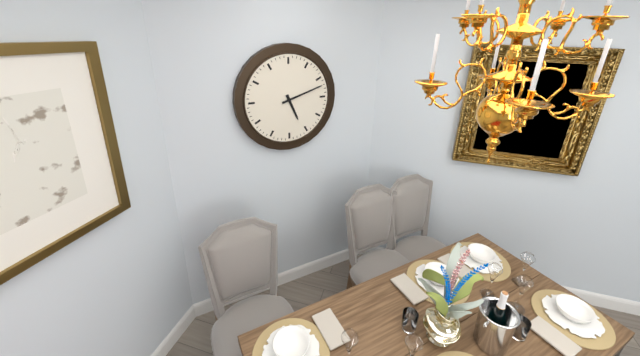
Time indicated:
{"hour": 5, "minute": 12}
